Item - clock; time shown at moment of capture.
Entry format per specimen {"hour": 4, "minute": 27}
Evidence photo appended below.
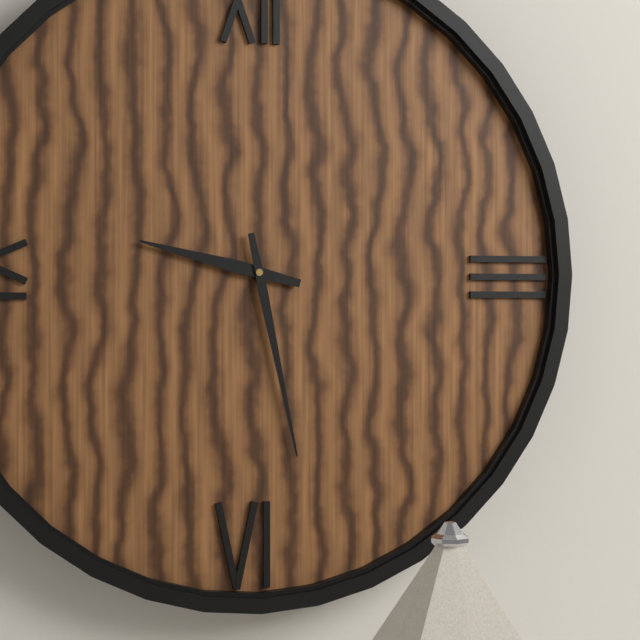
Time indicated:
{"hour": 9, "minute": 28}
